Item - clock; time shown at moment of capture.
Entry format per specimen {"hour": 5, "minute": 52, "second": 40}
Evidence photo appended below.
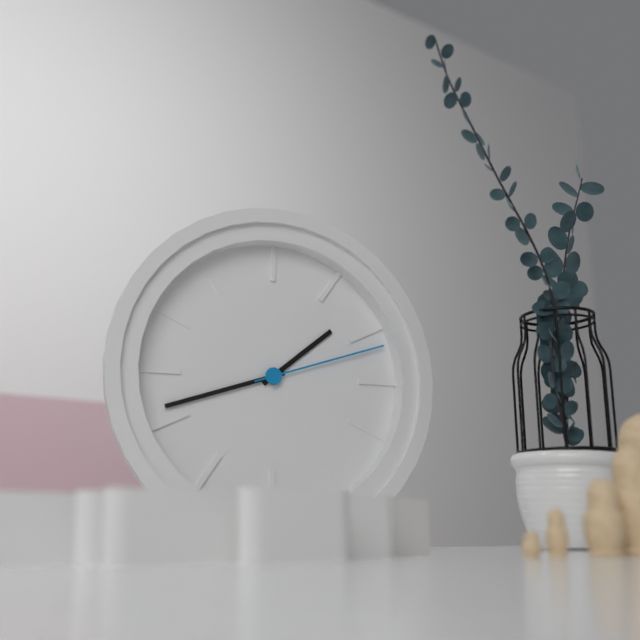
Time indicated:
{"hour": 1, "minute": 42, "second": 12}
